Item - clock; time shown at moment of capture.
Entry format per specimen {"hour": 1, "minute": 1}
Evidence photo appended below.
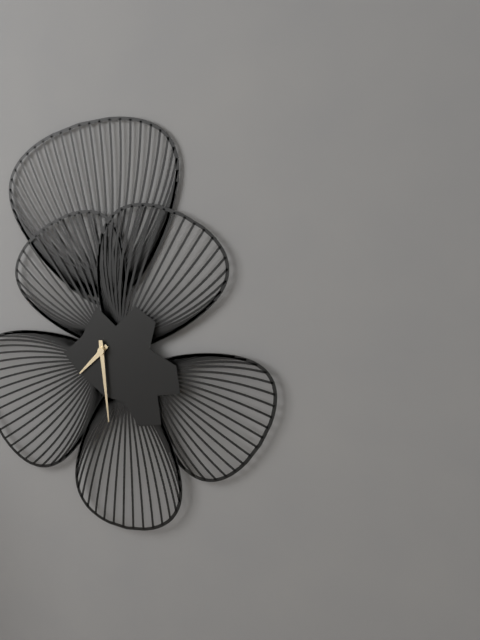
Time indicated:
{"hour": 7, "minute": 29}
